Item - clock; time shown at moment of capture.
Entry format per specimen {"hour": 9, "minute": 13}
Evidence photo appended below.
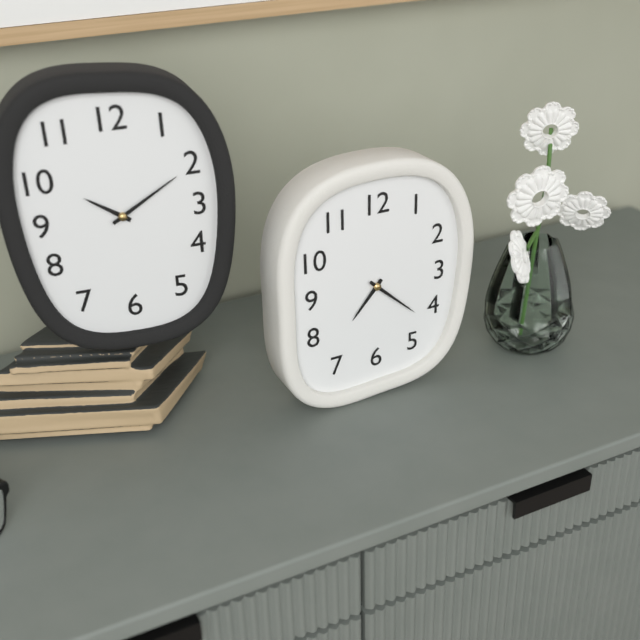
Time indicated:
{"hour": 7, "minute": 22}
